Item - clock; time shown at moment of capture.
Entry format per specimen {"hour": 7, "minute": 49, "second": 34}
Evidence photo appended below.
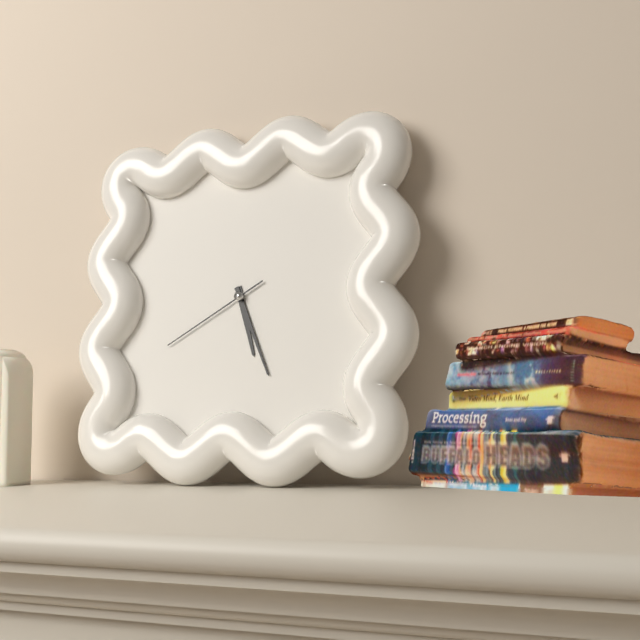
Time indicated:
{"hour": 5, "minute": 26, "second": 40}
